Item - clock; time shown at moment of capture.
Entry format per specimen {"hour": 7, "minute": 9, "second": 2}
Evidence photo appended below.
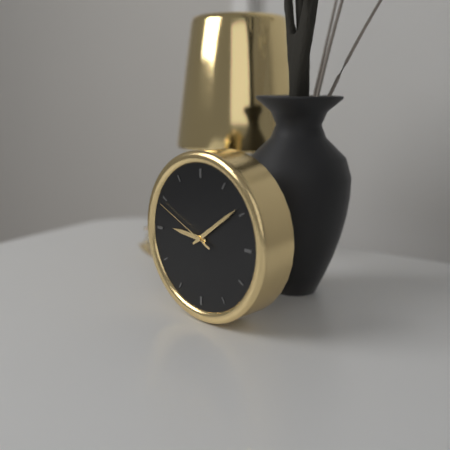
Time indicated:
{"hour": 9, "minute": 9, "second": 49}
